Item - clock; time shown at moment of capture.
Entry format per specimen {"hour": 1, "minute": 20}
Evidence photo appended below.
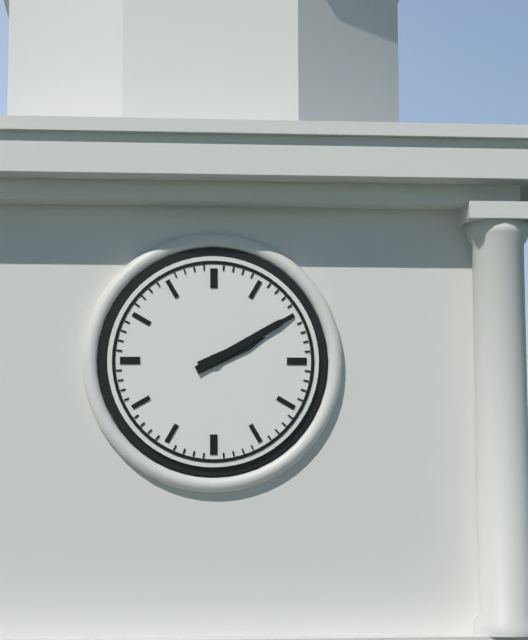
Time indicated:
{"hour": 2, "minute": 10}
